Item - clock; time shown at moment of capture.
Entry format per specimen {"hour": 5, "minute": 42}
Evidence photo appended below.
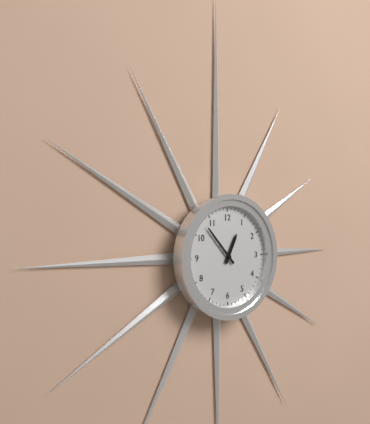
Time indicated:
{"hour": 12, "minute": 53}
